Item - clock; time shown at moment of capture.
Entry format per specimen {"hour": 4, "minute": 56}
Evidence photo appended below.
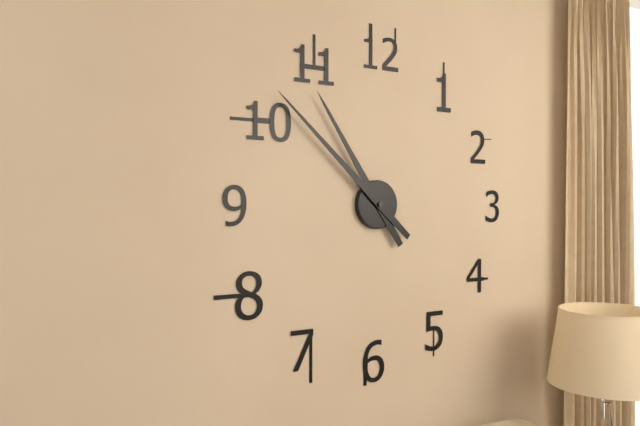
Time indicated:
{"hour": 10, "minute": 52}
